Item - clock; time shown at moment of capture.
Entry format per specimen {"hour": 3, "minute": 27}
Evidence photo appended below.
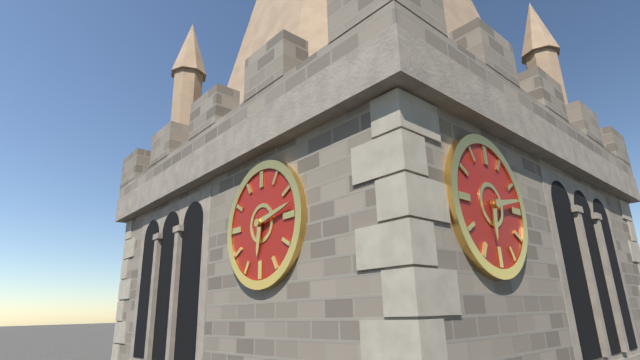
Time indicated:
{"hour": 6, "minute": 13}
